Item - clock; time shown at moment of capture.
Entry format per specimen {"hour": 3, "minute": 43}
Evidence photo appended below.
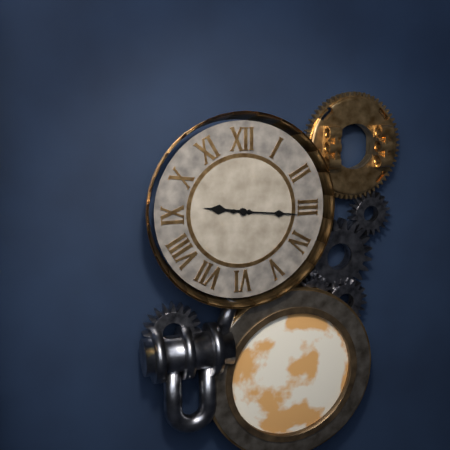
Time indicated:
{"hour": 9, "minute": 16}
